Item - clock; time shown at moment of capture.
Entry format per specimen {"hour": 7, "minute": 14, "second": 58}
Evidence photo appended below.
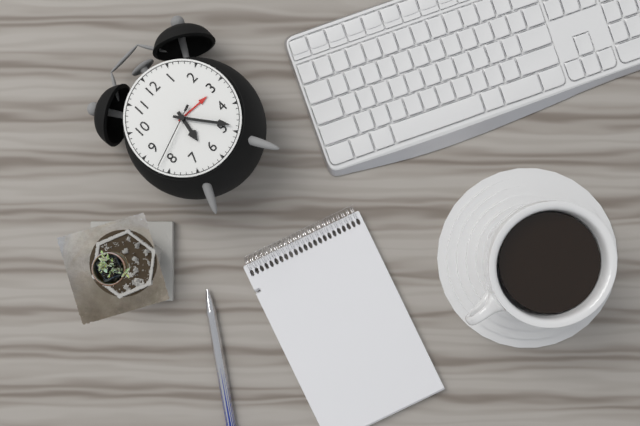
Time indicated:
{"hour": 6, "minute": 24, "second": 42}
